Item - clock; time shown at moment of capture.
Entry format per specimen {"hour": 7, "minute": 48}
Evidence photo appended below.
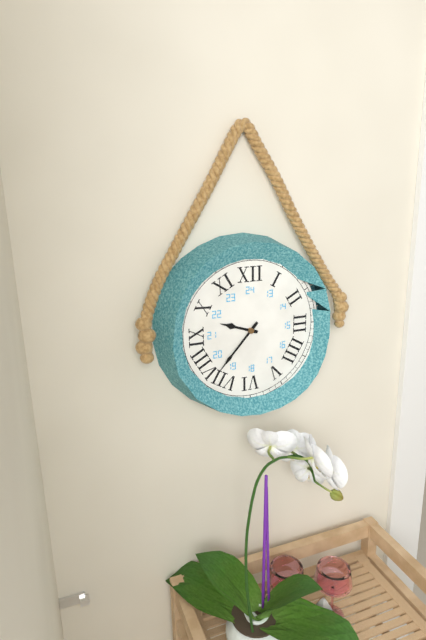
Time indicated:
{"hour": 9, "minute": 37}
